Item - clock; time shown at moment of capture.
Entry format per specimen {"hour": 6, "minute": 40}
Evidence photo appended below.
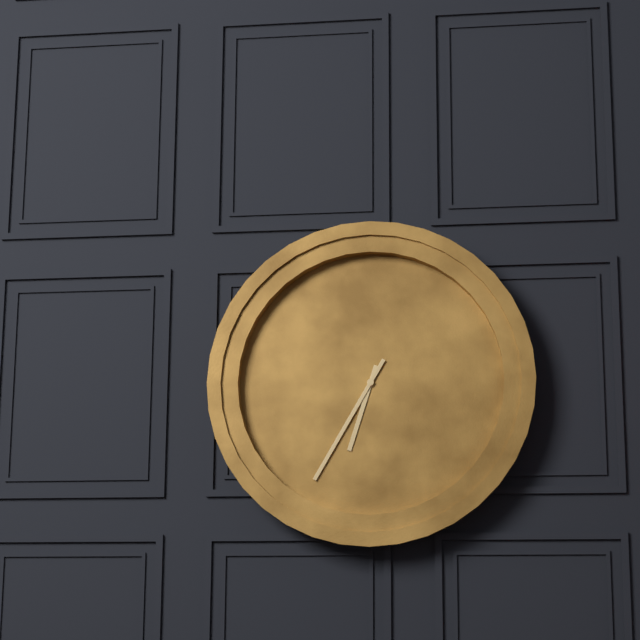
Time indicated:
{"hour": 6, "minute": 35}
